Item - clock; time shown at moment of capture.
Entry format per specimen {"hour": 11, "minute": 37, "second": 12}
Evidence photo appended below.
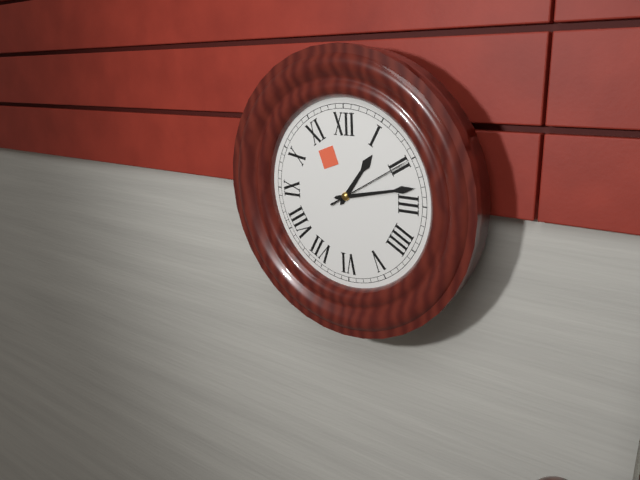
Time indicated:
{"hour": 1, "minute": 13, "second": 10}
